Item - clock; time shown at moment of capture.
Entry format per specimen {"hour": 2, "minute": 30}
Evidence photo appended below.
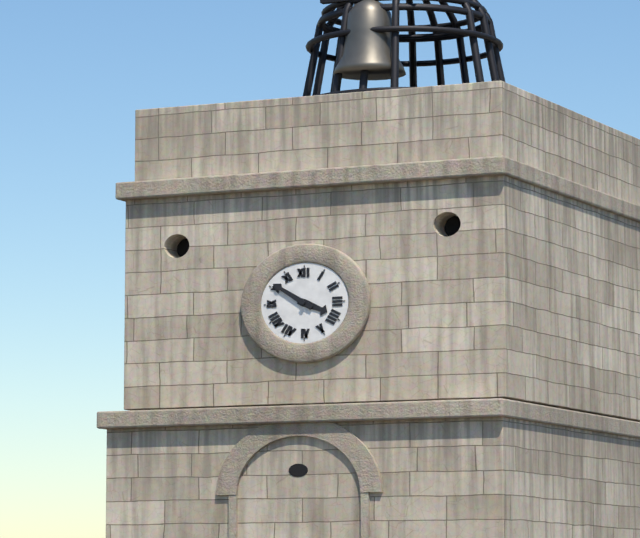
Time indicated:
{"hour": 3, "minute": 51}
